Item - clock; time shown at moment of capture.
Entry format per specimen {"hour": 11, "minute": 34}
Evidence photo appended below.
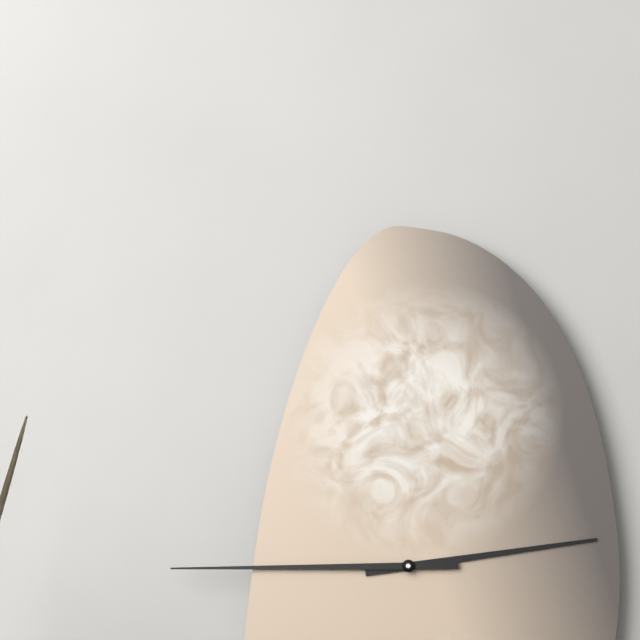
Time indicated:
{"hour": 2, "minute": 45}
